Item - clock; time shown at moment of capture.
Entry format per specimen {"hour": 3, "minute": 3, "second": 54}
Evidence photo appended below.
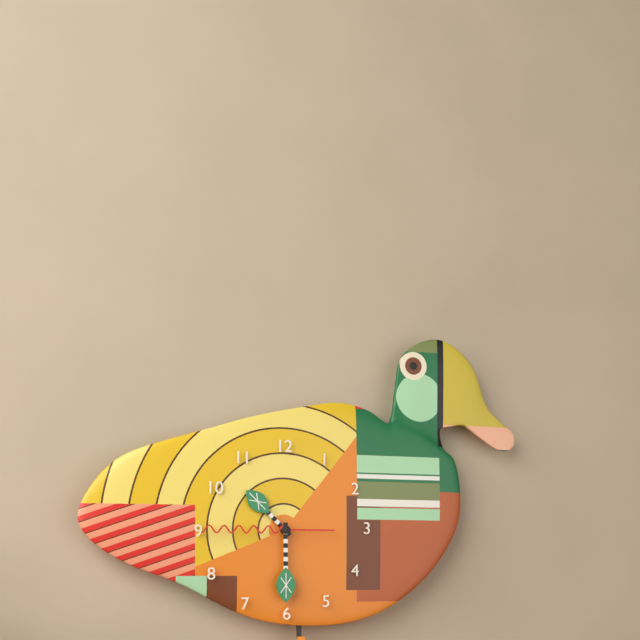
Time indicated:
{"hour": 10, "minute": 30, "second": 45}
